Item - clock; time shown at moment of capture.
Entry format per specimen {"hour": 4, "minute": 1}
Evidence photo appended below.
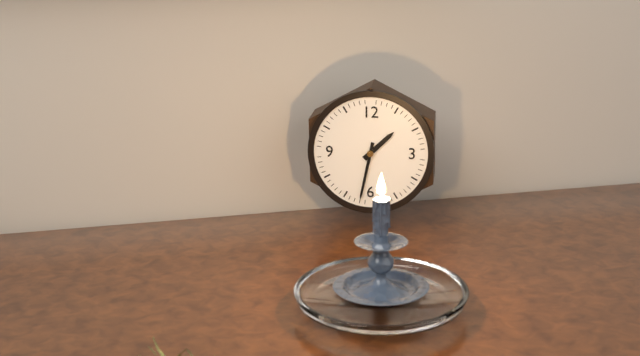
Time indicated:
{"hour": 1, "minute": 32}
